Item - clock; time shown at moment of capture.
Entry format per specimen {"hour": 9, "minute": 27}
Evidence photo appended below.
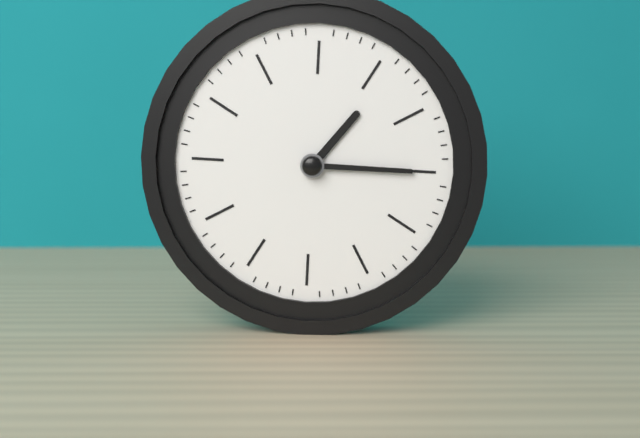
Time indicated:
{"hour": 1, "minute": 15}
